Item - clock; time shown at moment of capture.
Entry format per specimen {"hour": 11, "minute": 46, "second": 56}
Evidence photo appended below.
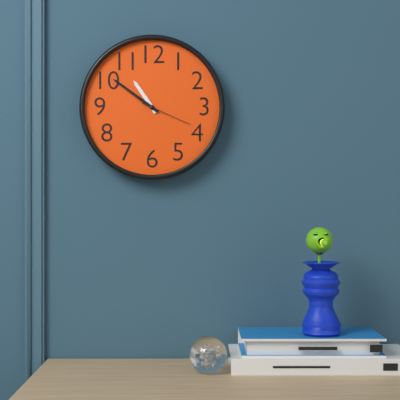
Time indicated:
{"hour": 10, "minute": 51, "second": 19}
